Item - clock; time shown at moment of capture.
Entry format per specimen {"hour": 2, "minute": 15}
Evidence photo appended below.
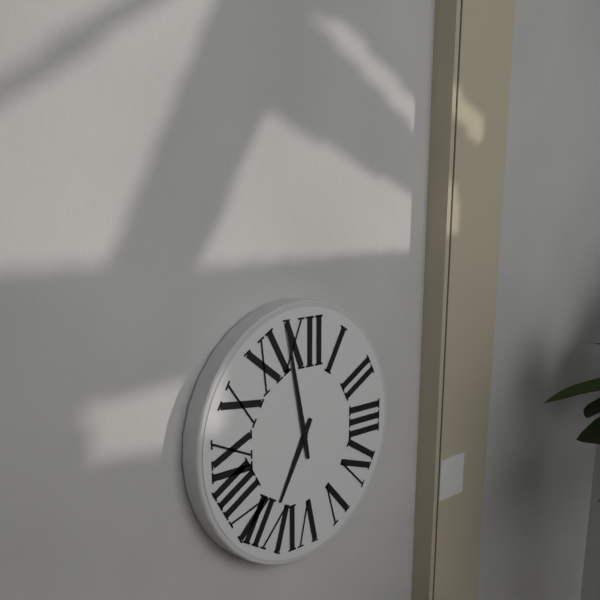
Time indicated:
{"hour": 6, "minute": 58}
